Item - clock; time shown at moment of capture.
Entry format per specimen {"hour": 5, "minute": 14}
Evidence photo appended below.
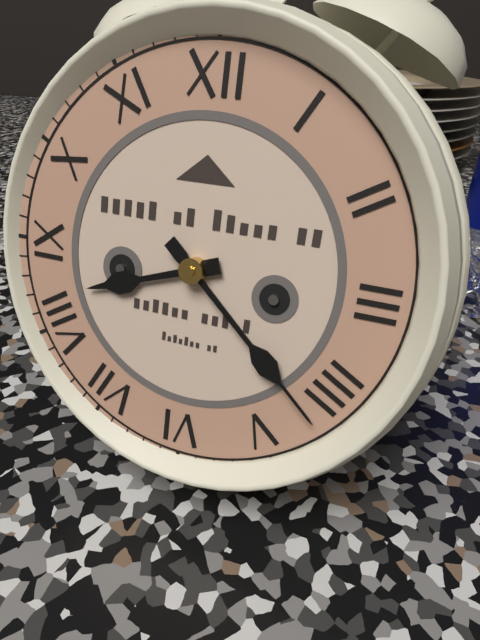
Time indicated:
{"hour": 8, "minute": 22}
